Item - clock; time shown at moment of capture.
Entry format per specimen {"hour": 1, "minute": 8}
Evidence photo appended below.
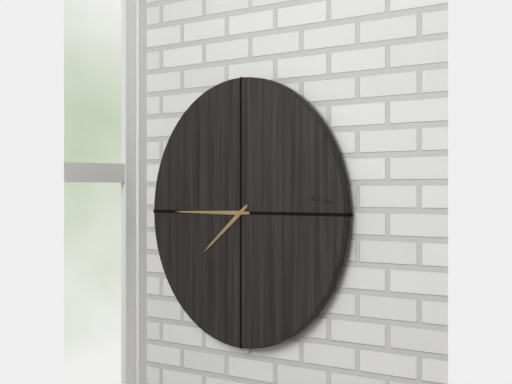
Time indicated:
{"hour": 7, "minute": 45}
